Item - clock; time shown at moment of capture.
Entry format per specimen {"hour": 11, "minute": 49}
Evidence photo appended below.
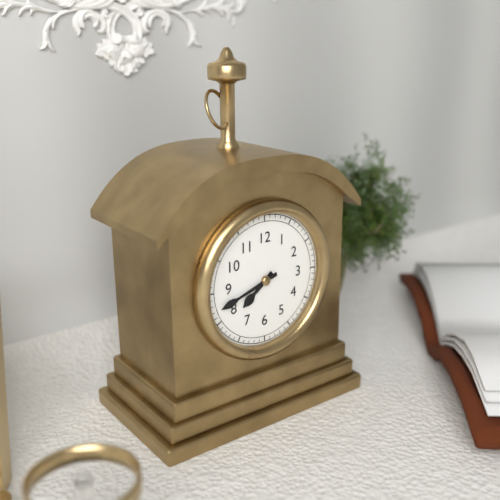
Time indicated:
{"hour": 7, "minute": 42}
